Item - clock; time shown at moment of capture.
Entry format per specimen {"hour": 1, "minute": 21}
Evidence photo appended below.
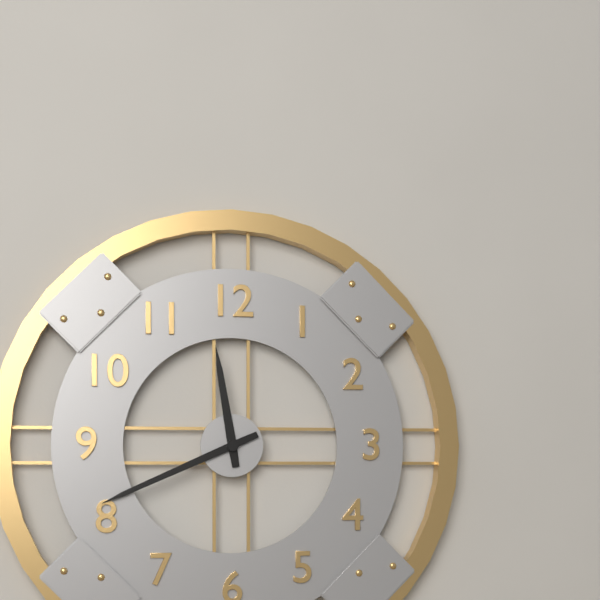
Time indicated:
{"hour": 11, "minute": 41}
